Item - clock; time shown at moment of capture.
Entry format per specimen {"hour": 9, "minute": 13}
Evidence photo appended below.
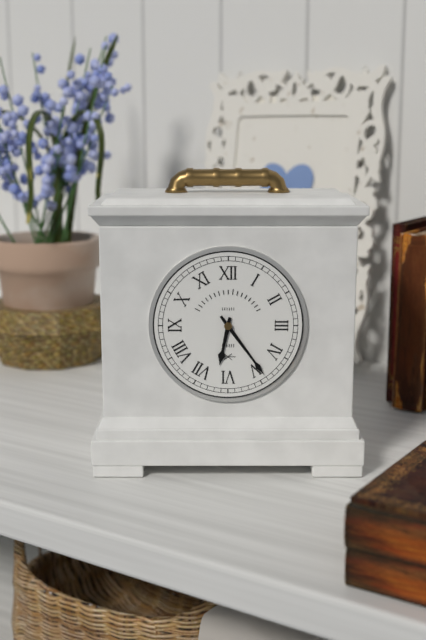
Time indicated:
{"hour": 6, "minute": 24}
